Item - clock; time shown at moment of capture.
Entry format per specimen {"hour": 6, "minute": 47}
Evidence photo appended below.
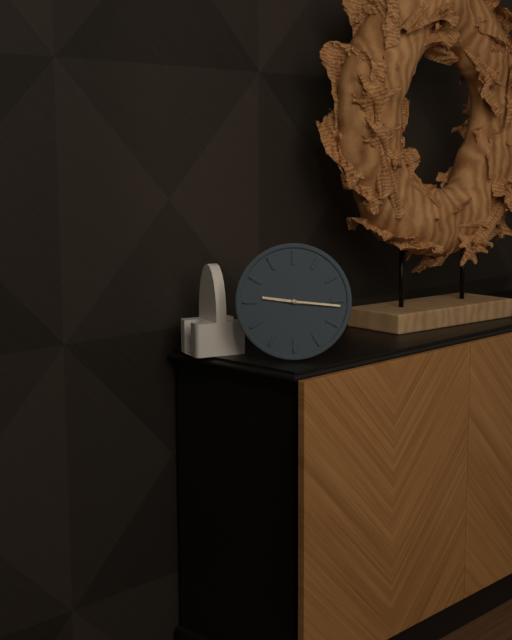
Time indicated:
{"hour": 9, "minute": 16}
